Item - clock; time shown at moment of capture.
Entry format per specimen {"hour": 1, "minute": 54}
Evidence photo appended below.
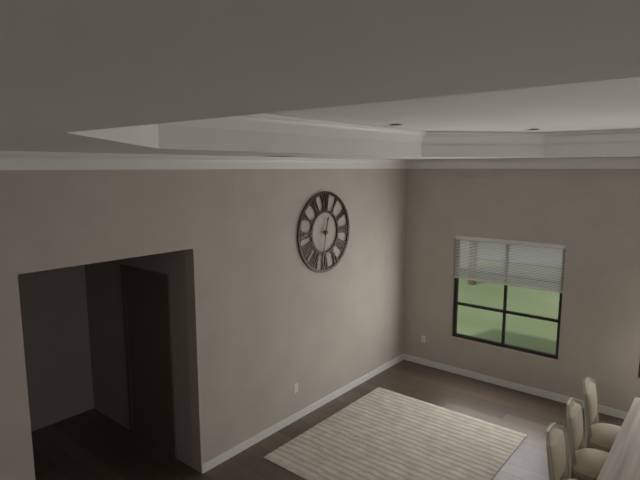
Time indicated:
{"hour": 12, "minute": 32}
